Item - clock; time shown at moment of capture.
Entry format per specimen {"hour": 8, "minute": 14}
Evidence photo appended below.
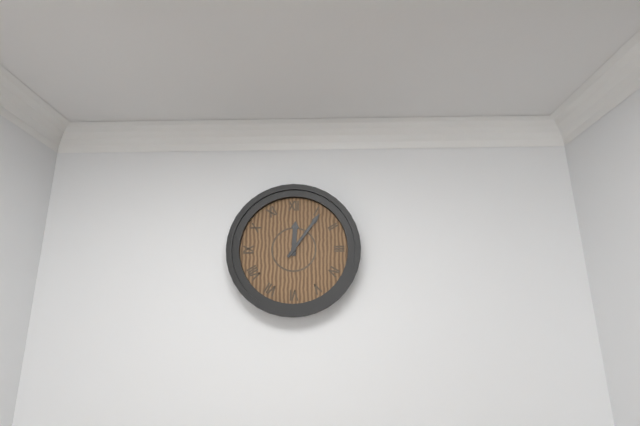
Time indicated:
{"hour": 12, "minute": 6}
